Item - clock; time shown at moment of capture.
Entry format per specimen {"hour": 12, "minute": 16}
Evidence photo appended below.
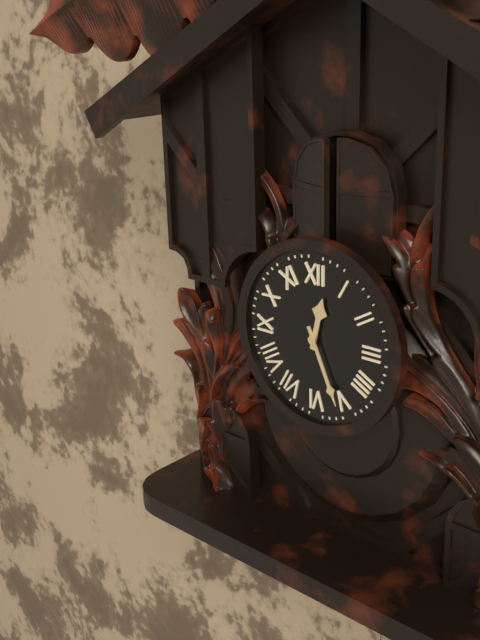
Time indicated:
{"hour": 12, "minute": 26}
